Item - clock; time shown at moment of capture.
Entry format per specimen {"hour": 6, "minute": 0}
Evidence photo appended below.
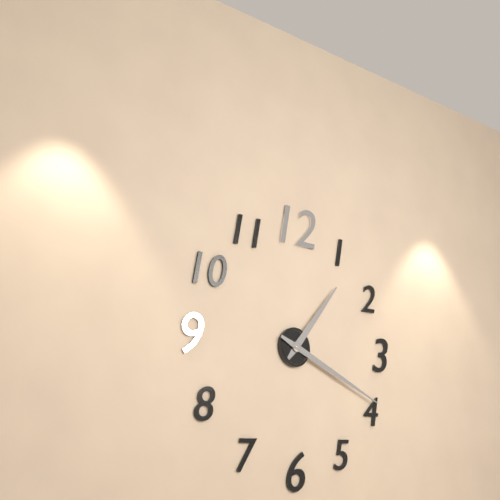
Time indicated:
{"hour": 1, "minute": 19}
